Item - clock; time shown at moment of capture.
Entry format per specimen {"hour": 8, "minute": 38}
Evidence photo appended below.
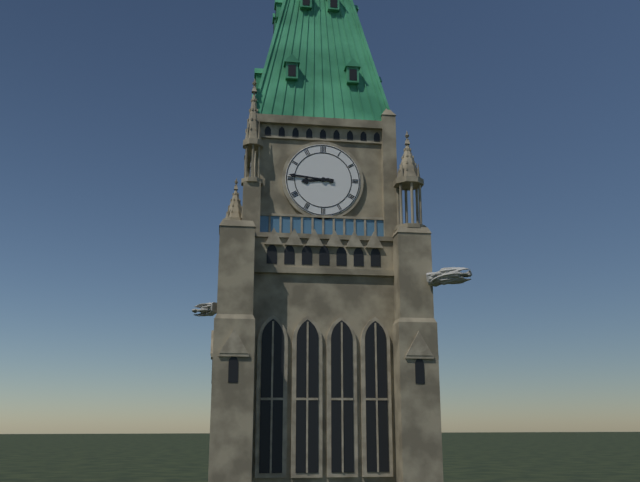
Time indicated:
{"hour": 8, "minute": 46}
